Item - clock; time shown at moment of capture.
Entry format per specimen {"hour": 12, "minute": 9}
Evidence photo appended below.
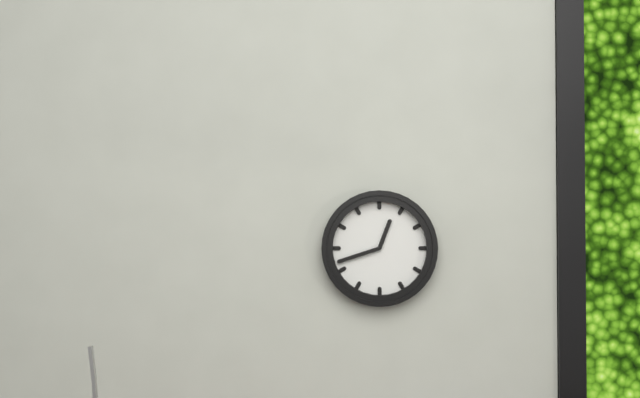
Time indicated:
{"hour": 12, "minute": 42}
